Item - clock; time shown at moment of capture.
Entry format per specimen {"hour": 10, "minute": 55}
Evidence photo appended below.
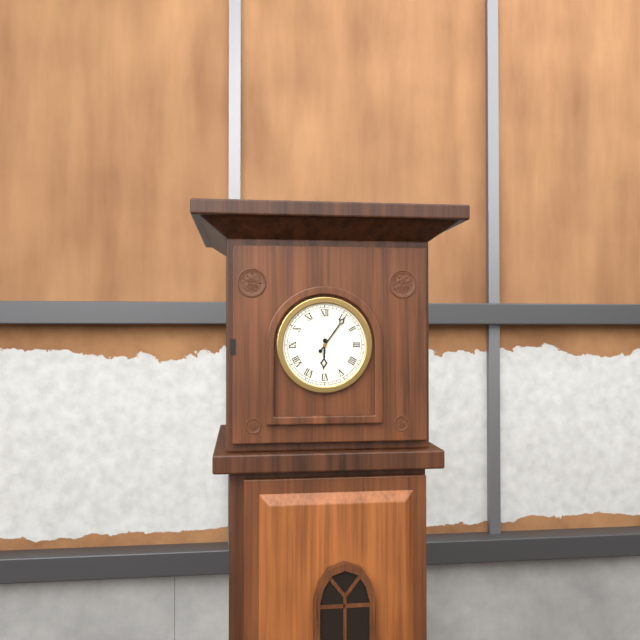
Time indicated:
{"hour": 6, "minute": 6}
